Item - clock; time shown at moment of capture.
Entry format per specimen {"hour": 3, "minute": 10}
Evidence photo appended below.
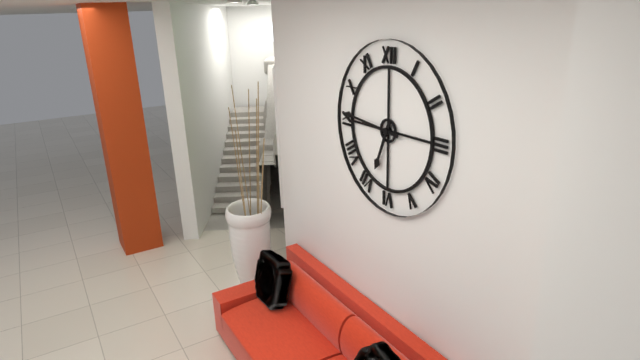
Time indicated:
{"hour": 6, "minute": 46}
